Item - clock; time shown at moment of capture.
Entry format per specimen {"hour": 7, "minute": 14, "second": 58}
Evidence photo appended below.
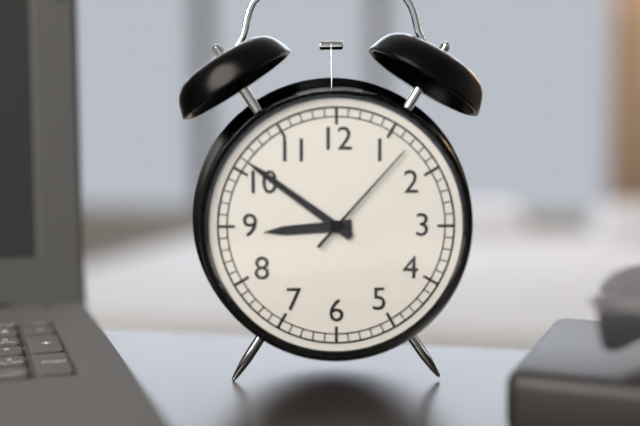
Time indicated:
{"hour": 8, "minute": 51, "second": 7}
